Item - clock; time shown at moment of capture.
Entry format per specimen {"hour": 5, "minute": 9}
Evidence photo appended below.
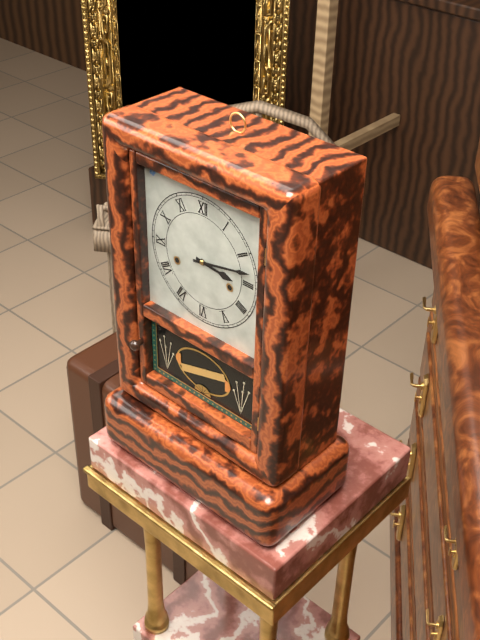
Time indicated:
{"hour": 3, "minute": 13}
